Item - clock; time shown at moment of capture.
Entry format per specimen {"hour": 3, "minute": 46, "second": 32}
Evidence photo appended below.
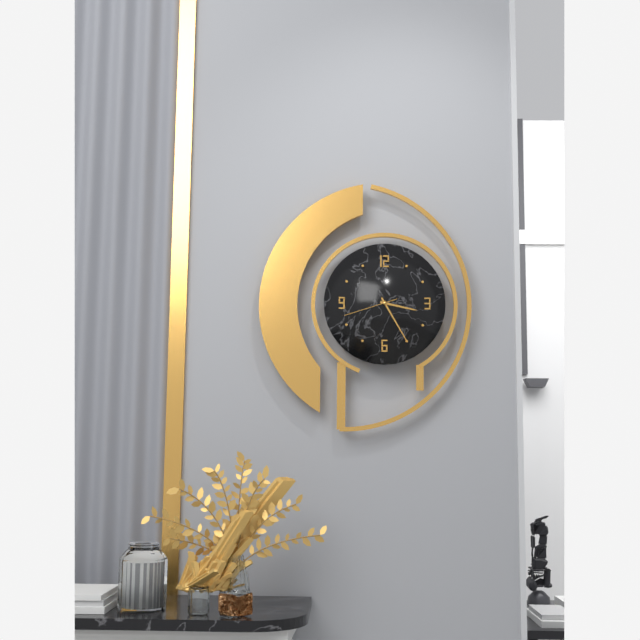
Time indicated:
{"hour": 3, "minute": 25, "second": 42}
